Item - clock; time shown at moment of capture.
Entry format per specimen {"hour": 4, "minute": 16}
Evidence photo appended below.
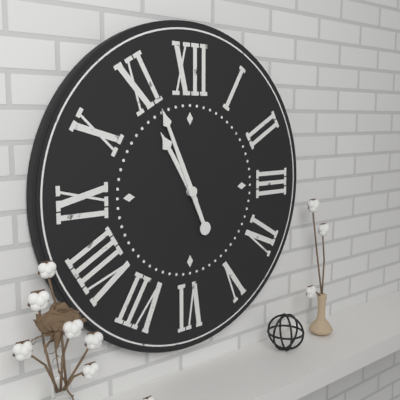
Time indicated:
{"hour": 10, "minute": 56}
